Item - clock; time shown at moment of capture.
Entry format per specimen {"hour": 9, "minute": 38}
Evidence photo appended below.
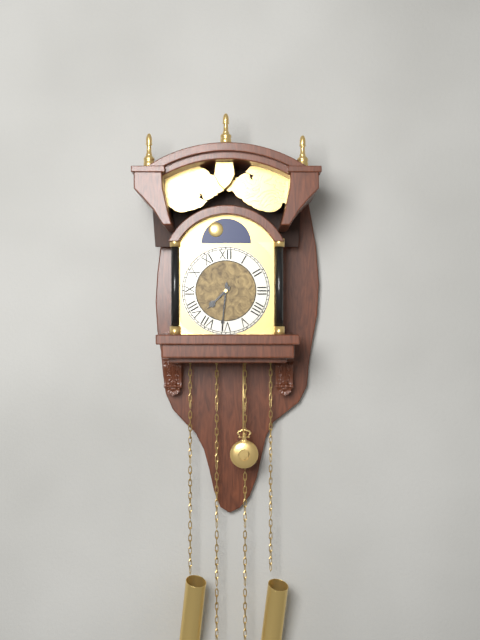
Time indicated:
{"hour": 7, "minute": 31}
